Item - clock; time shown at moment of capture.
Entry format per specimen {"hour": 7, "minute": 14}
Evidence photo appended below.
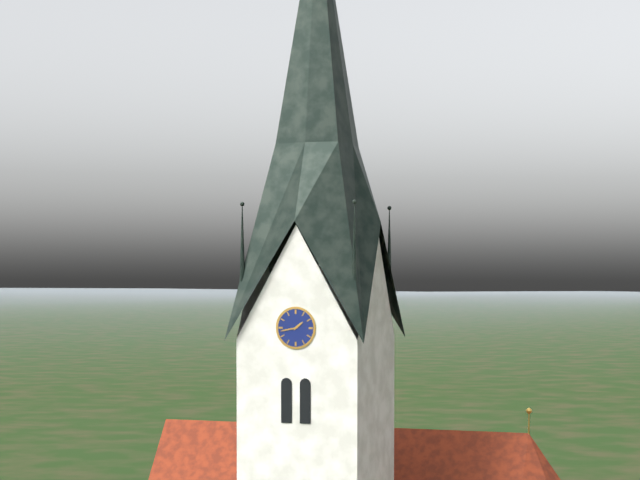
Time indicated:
{"hour": 1, "minute": 43}
